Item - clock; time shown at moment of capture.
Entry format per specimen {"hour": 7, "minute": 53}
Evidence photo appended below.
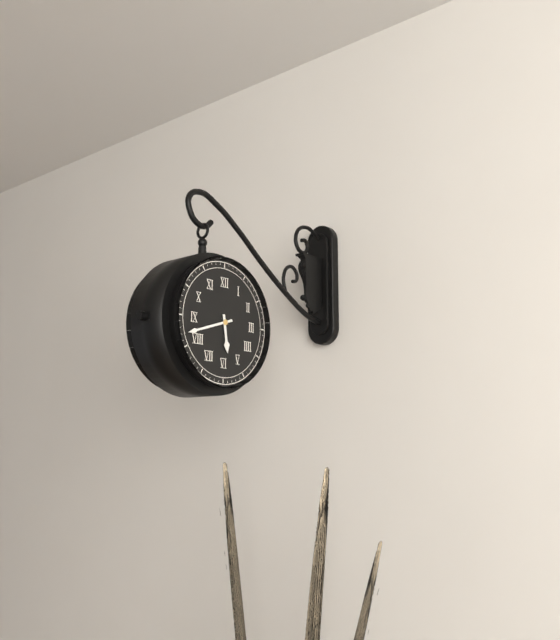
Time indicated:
{"hour": 5, "minute": 42}
